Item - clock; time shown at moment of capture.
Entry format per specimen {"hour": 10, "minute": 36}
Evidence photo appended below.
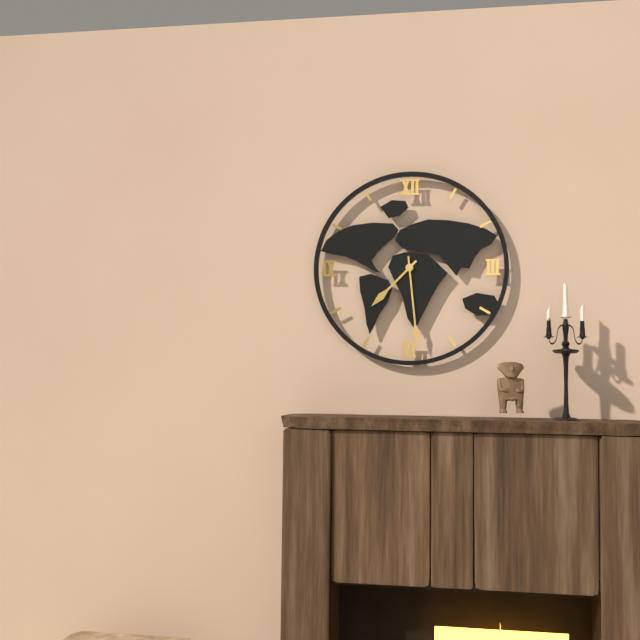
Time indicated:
{"hour": 7, "minute": 29}
